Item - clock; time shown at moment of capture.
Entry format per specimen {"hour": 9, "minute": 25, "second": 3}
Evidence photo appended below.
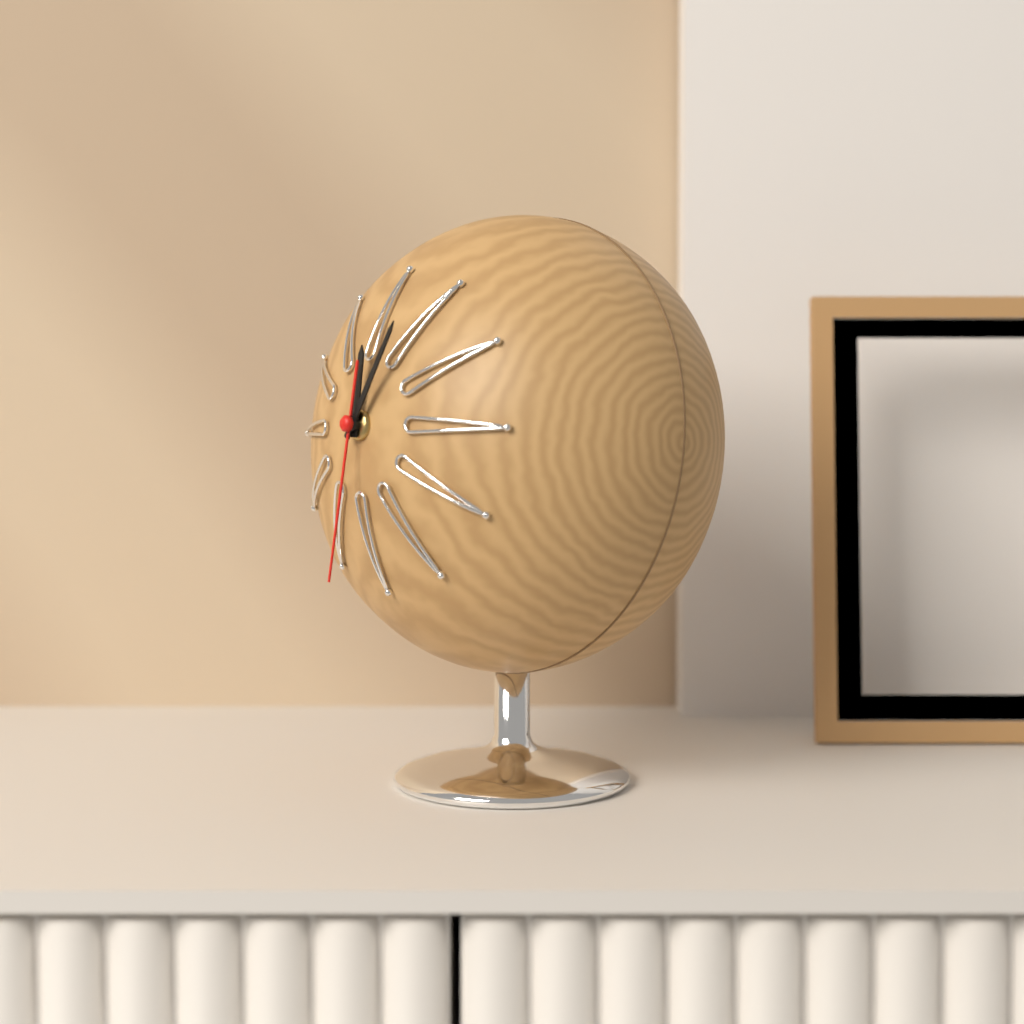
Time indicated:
{"hour": 12, "minute": 5, "second": 31}
